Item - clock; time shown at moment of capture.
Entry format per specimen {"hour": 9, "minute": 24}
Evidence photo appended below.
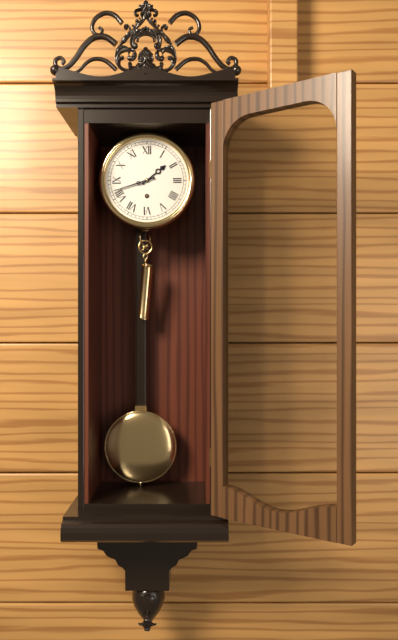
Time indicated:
{"hour": 1, "minute": 42}
